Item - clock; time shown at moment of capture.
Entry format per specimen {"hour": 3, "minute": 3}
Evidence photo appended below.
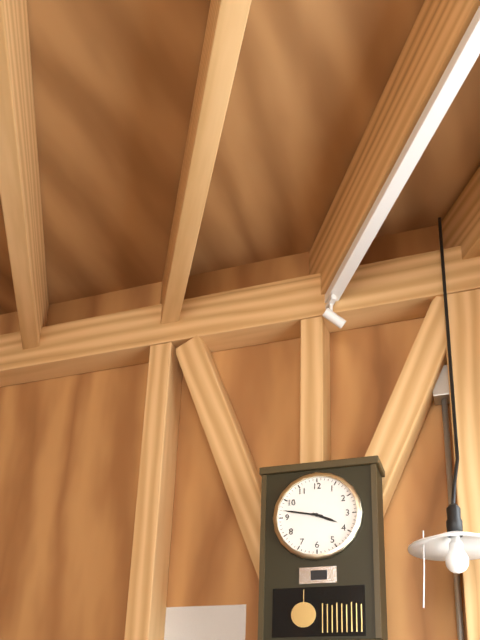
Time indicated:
{"hour": 3, "minute": 47}
